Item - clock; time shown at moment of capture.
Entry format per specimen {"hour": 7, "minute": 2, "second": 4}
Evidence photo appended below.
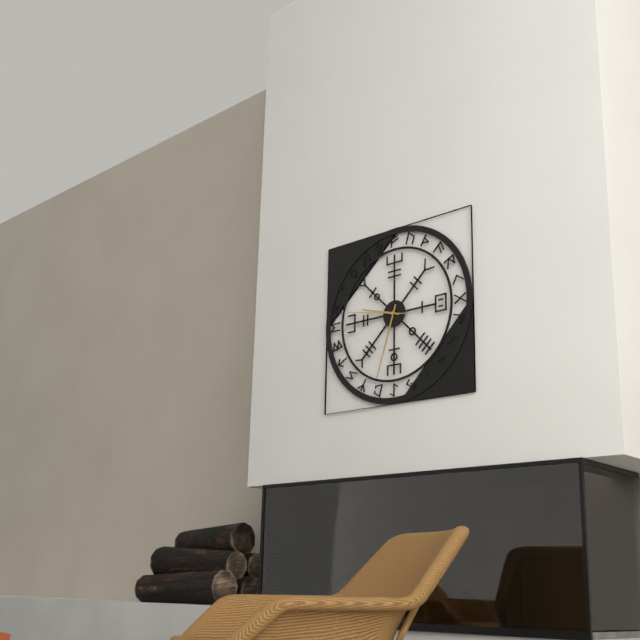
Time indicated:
{"hour": 9, "minute": 33, "second": 47}
